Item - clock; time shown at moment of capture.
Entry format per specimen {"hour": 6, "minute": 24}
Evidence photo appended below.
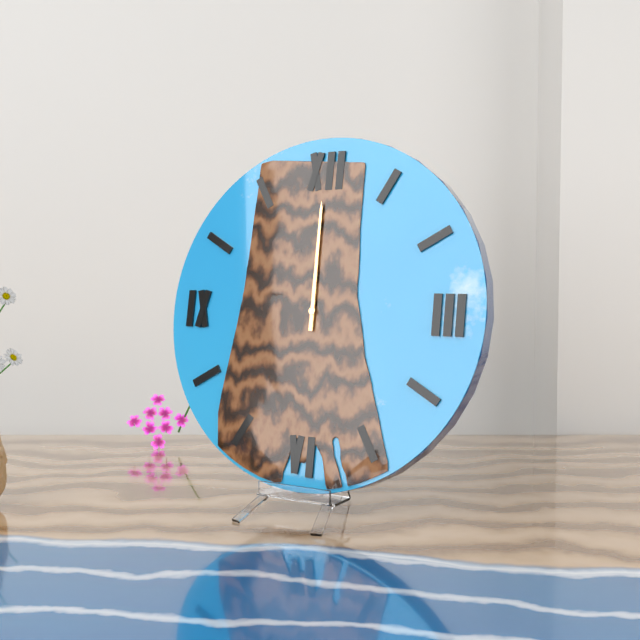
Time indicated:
{"hour": 12, "minute": 0}
